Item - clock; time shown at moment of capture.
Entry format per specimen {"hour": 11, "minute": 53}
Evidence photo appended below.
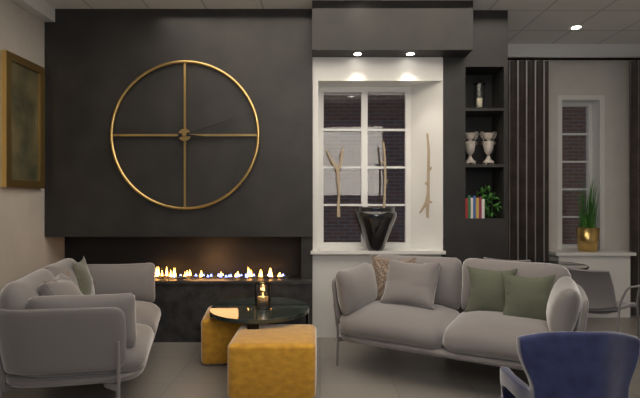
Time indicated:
{"hour": 3, "minute": 12}
